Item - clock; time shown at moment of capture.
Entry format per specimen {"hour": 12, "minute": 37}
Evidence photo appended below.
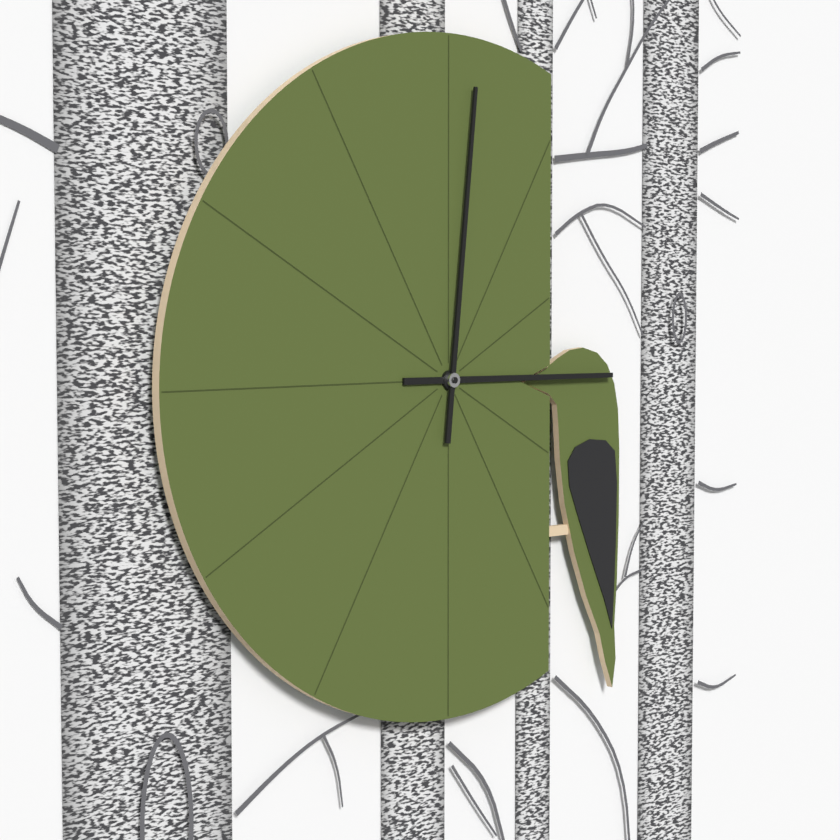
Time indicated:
{"hour": 3, "minute": 1}
